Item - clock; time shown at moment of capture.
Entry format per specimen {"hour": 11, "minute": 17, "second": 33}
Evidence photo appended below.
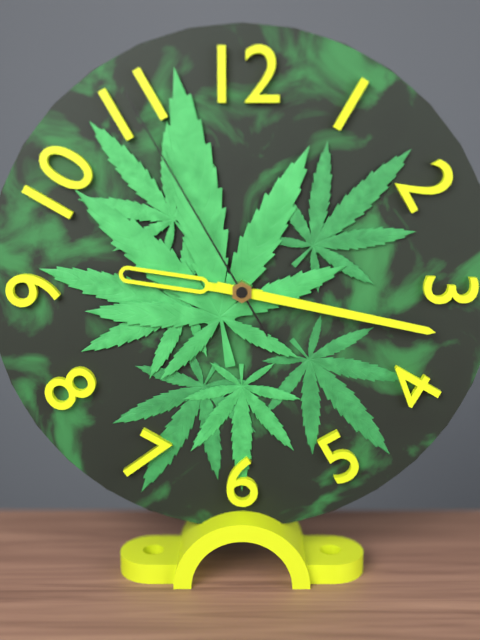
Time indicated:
{"hour": 9, "minute": 17, "second": 55}
